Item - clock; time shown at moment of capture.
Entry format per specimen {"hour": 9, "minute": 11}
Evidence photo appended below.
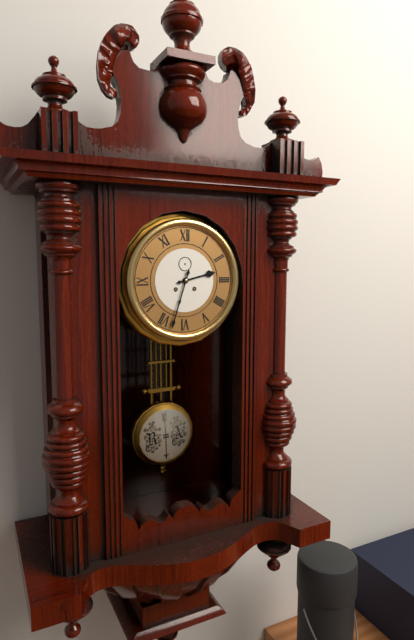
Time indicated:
{"hour": 2, "minute": 33}
